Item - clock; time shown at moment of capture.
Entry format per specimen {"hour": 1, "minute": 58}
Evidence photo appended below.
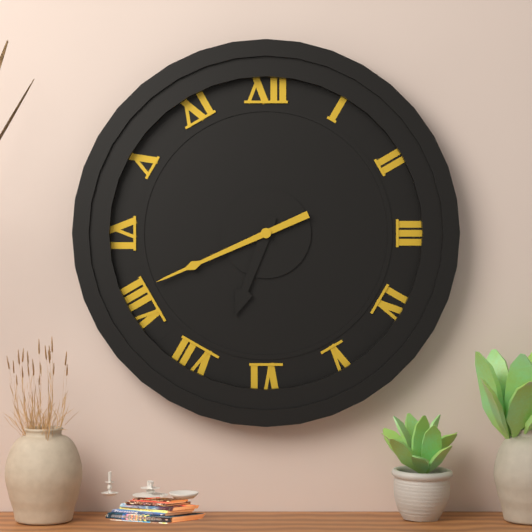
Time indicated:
{"hour": 6, "minute": 41}
